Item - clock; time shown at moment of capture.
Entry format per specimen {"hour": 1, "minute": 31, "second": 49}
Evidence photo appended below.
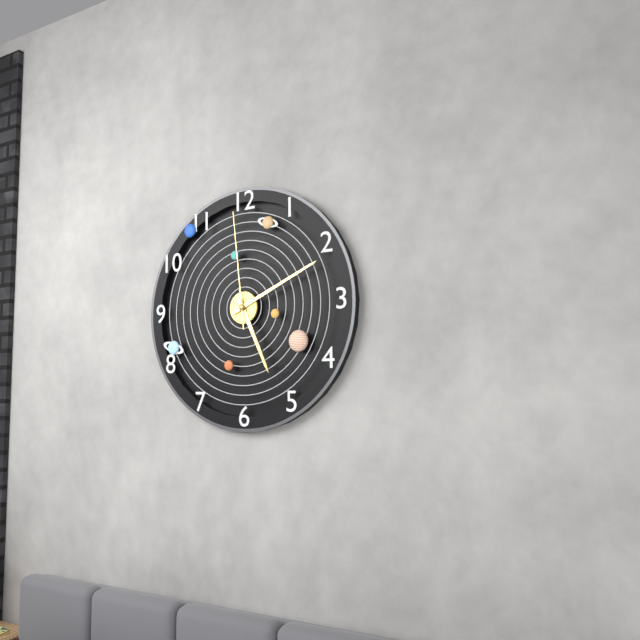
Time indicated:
{"hour": 5, "minute": 11, "second": 59}
